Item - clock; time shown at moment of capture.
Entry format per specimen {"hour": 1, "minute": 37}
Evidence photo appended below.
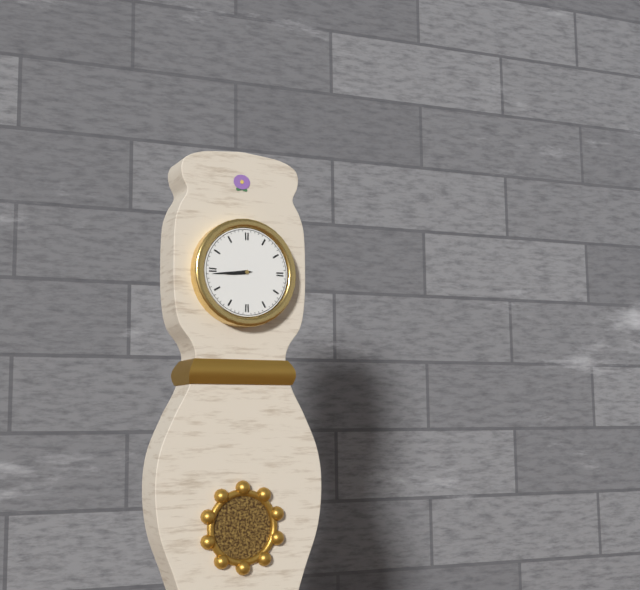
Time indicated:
{"hour": 8, "minute": 44}
